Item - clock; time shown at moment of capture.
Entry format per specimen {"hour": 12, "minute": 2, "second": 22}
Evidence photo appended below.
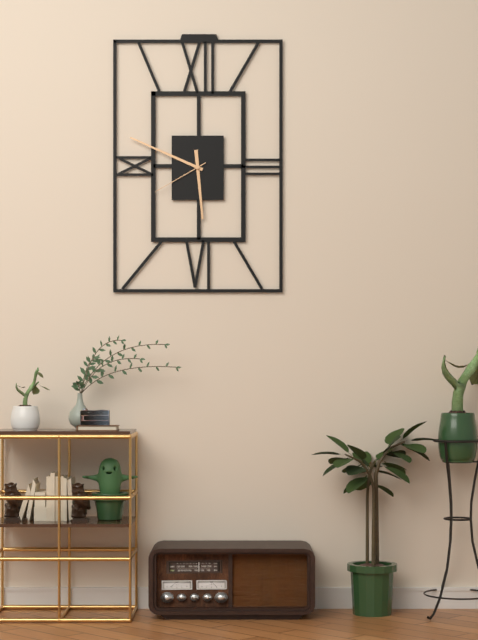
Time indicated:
{"hour": 5, "minute": 49, "second": 40}
